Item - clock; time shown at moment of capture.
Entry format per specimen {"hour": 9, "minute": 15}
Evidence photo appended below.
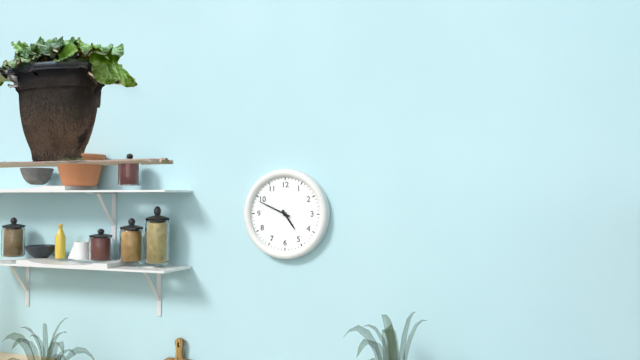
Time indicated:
{"hour": 4, "minute": 49}
